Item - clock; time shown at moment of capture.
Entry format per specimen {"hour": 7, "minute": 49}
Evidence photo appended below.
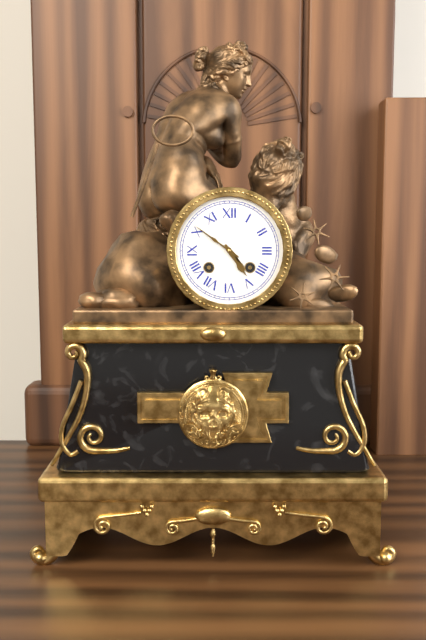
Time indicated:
{"hour": 4, "minute": 51}
